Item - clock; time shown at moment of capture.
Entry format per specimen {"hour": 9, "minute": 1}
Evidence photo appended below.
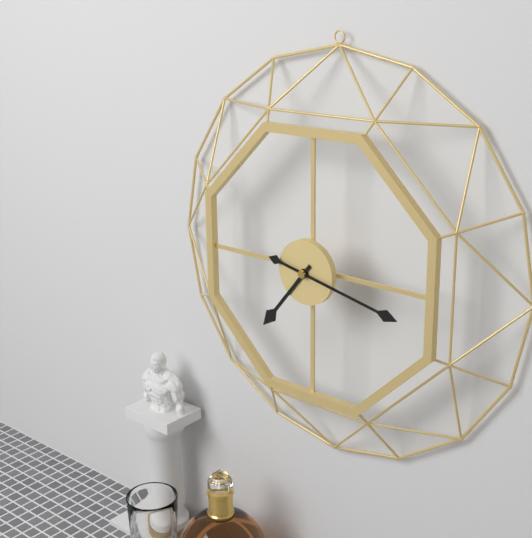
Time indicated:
{"hour": 7, "minute": 17}
